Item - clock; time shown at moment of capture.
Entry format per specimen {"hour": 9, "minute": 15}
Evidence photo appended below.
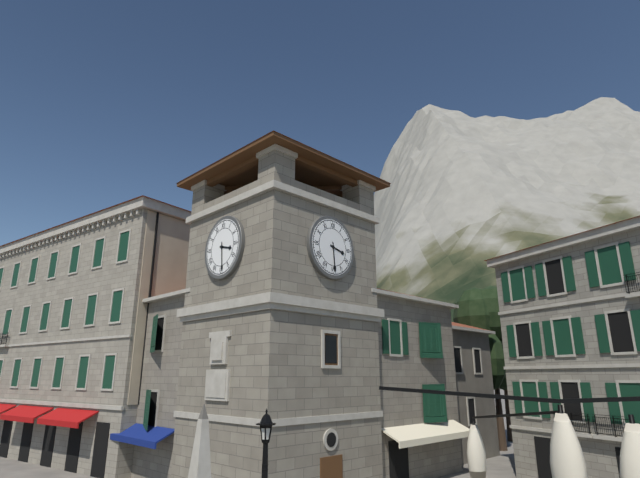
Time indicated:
{"hour": 3, "minute": 29}
